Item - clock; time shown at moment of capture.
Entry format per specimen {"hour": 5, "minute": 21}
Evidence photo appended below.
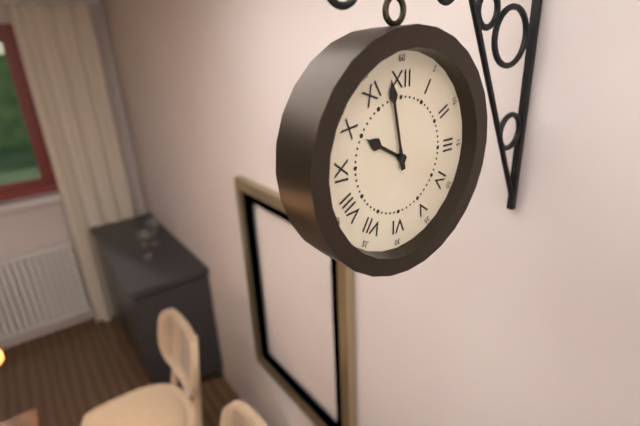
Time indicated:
{"hour": 9, "minute": 58}
